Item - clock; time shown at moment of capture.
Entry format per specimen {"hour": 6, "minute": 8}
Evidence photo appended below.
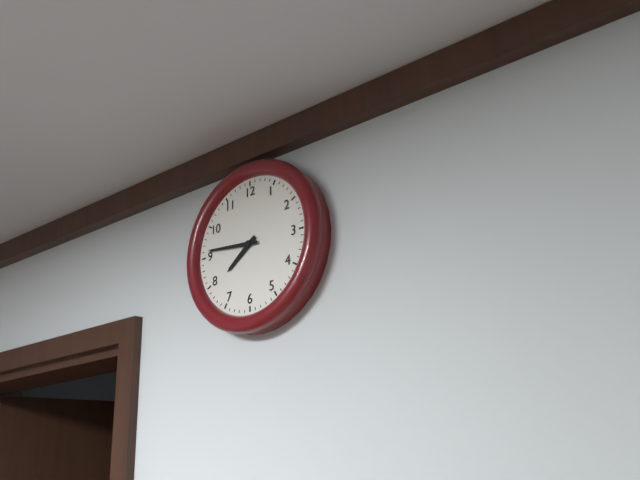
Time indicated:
{"hour": 7, "minute": 46}
